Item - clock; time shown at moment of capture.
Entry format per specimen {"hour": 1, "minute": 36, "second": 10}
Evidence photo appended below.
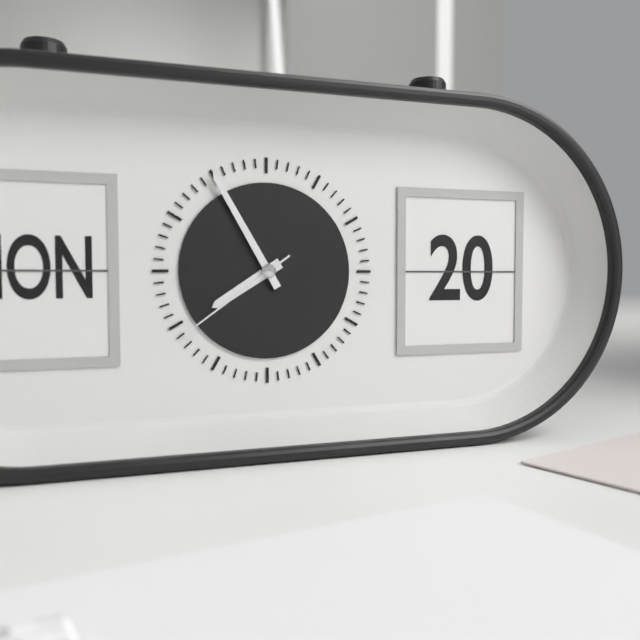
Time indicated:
{"hour": 7, "minute": 55, "second": 39}
